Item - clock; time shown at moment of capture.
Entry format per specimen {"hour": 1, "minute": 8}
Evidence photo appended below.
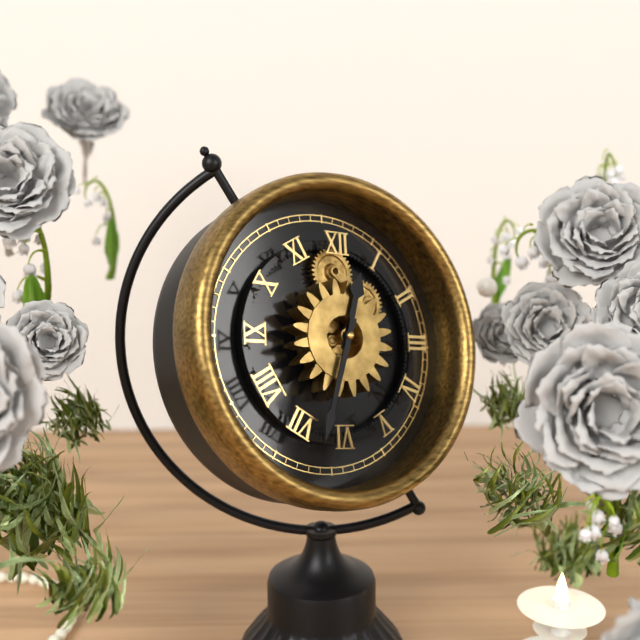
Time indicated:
{"hour": 12, "minute": 33}
